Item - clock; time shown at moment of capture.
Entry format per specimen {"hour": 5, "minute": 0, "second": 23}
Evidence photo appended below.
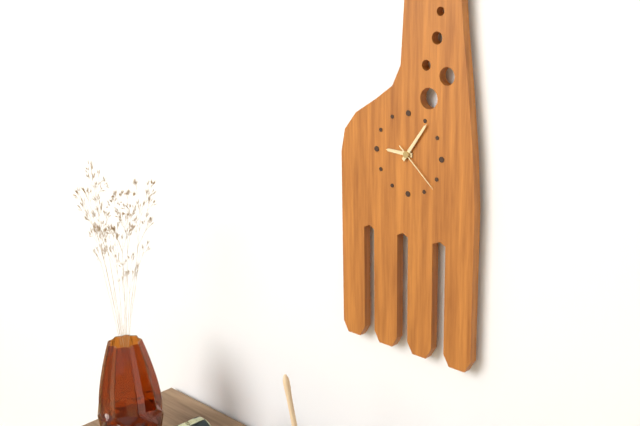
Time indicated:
{"hour": 9, "minute": 6, "second": 22}
